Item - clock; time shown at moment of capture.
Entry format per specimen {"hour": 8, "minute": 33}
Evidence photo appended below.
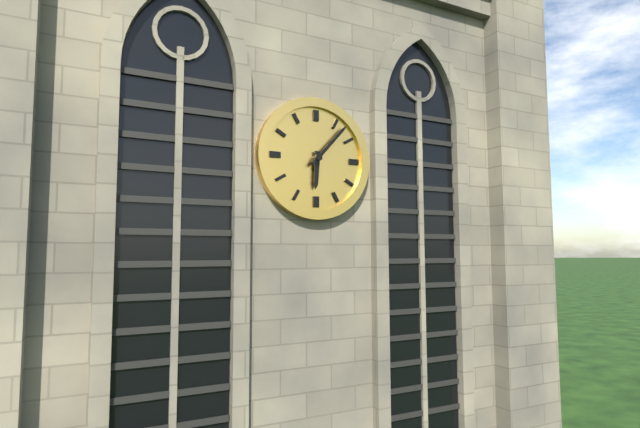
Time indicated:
{"hour": 6, "minute": 7}
